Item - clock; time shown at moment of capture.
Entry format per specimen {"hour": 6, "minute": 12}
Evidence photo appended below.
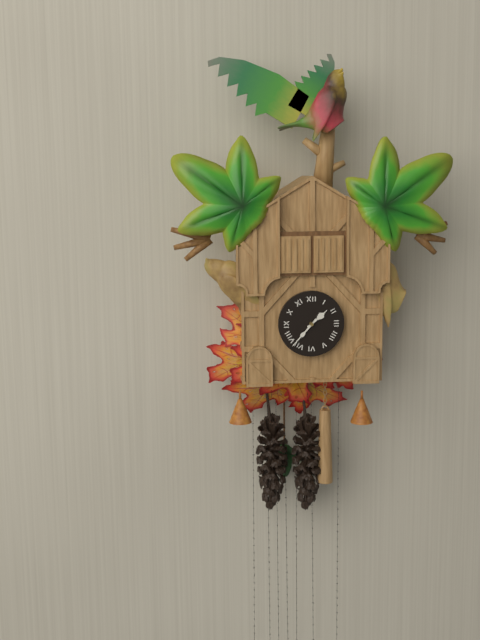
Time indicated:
{"hour": 1, "minute": 37}
